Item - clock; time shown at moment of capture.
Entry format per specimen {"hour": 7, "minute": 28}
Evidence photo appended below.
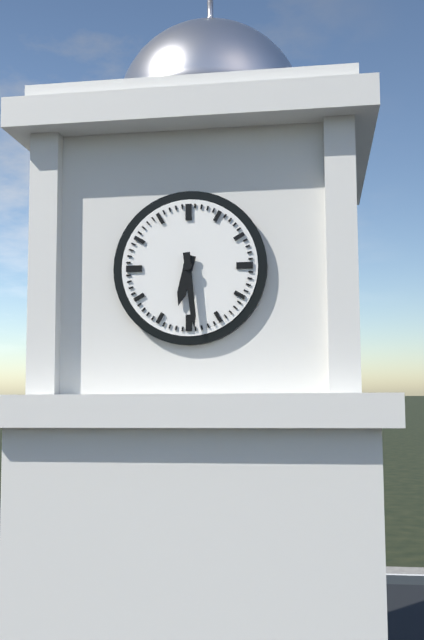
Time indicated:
{"hour": 6, "minute": 29}
